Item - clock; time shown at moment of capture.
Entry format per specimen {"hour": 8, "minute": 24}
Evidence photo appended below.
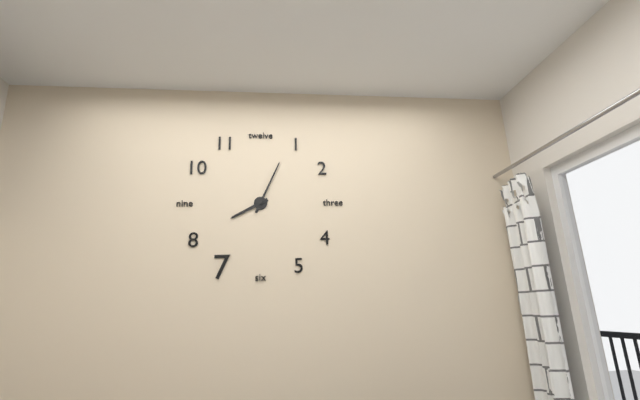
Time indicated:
{"hour": 8, "minute": 4}
